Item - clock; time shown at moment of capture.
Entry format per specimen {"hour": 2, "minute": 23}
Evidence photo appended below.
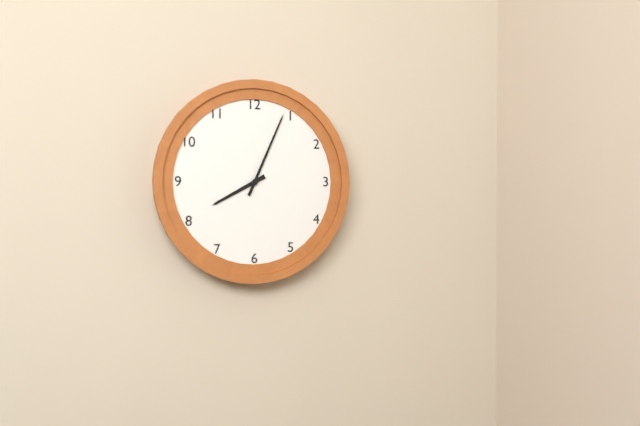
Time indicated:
{"hour": 8, "minute": 4}
